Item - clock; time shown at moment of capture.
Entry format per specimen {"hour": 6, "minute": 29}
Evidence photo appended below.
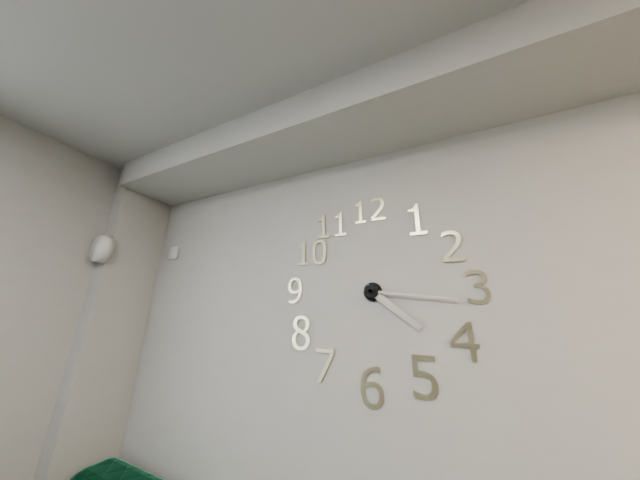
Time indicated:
{"hour": 4, "minute": 16}
